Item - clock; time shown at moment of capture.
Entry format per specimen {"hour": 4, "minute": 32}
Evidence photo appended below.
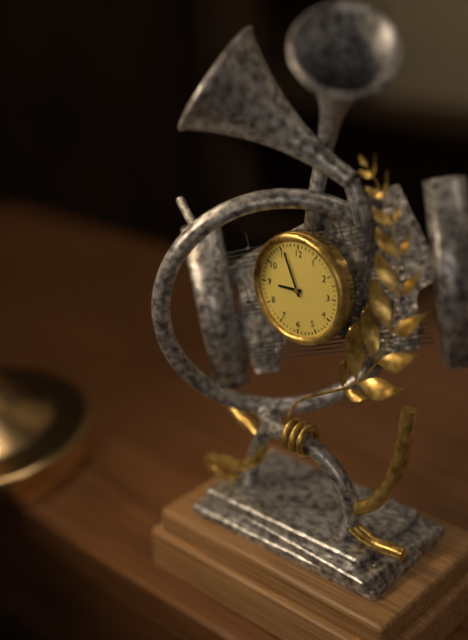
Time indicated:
{"hour": 8, "minute": 56}
